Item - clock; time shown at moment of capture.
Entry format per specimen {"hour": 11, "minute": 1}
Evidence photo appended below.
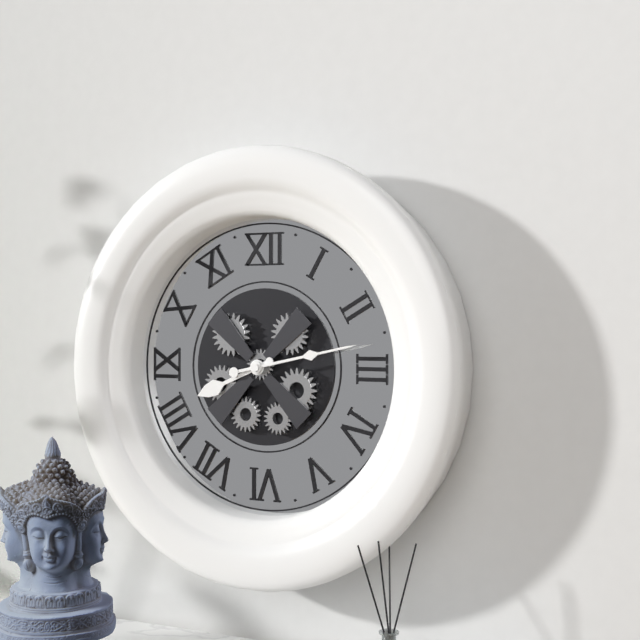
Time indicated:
{"hour": 8, "minute": 13}
